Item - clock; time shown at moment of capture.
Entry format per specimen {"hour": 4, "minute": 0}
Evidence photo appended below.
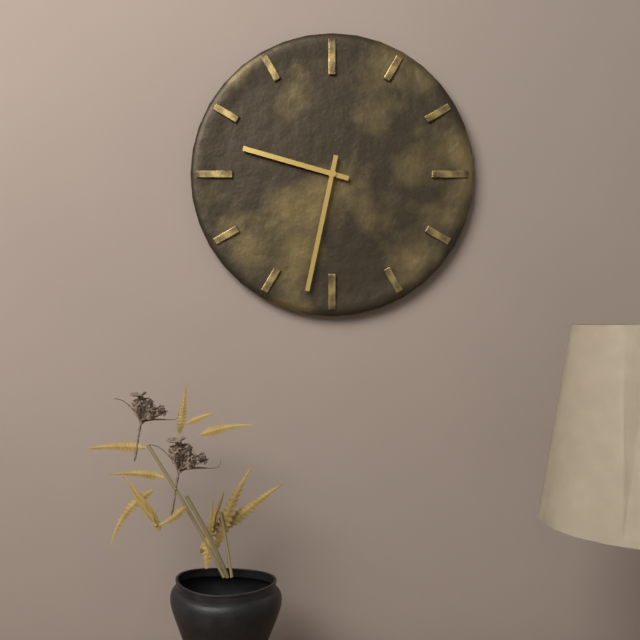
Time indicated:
{"hour": 9, "minute": 32}
